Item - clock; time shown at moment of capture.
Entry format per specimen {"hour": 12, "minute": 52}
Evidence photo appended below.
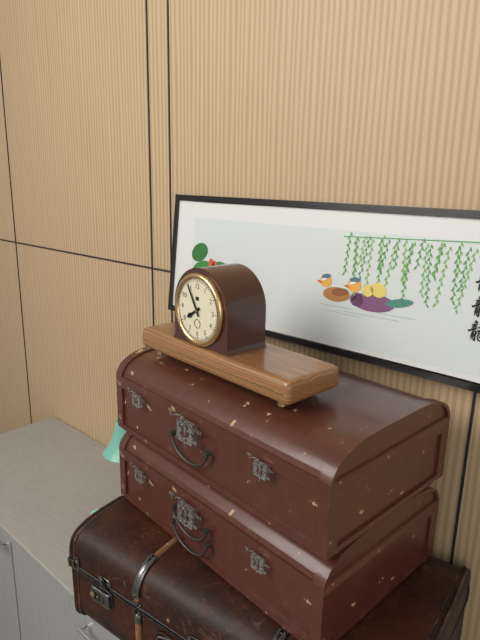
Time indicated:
{"hour": 7, "minute": 55}
